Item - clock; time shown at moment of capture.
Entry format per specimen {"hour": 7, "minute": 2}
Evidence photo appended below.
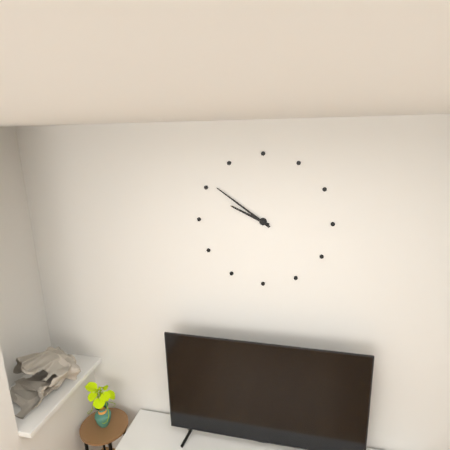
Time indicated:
{"hour": 9, "minute": 51}
